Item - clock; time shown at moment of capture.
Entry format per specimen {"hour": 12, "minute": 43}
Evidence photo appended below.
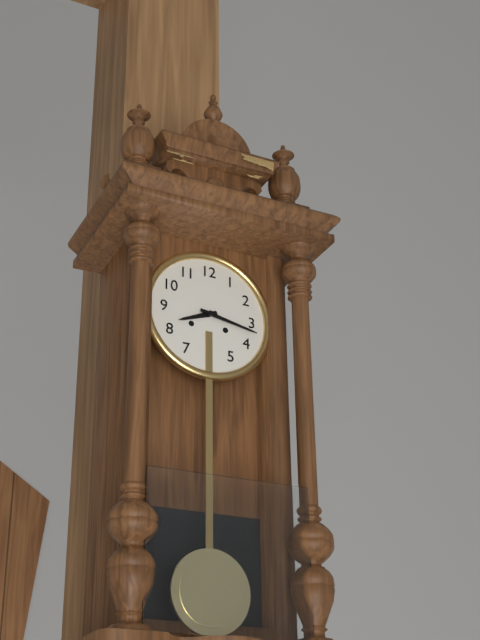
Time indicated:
{"hour": 8, "minute": 17}
